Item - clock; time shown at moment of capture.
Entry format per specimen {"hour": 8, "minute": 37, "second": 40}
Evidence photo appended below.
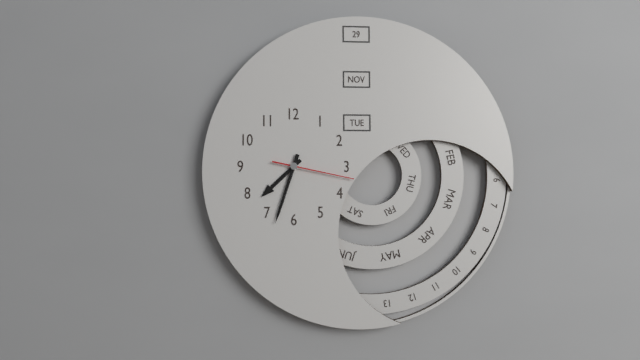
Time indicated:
{"hour": 7, "minute": 33, "second": 17}
